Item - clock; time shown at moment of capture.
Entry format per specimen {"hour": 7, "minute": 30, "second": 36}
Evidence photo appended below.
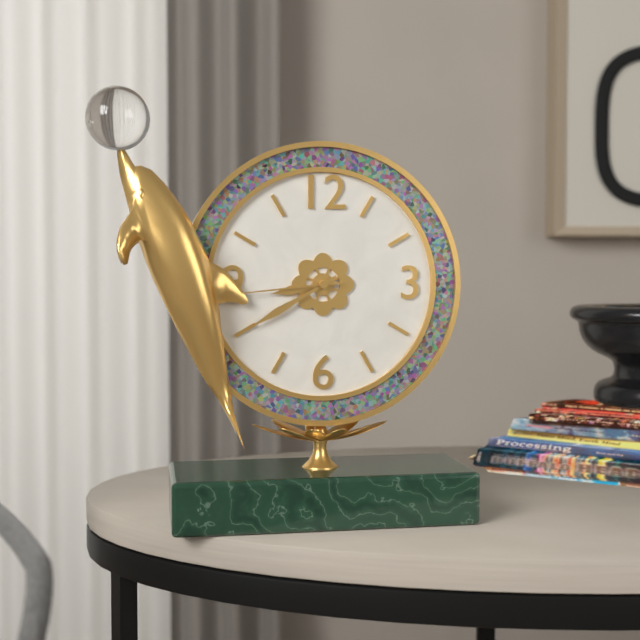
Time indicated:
{"hour": 8, "minute": 40, "second": 44}
